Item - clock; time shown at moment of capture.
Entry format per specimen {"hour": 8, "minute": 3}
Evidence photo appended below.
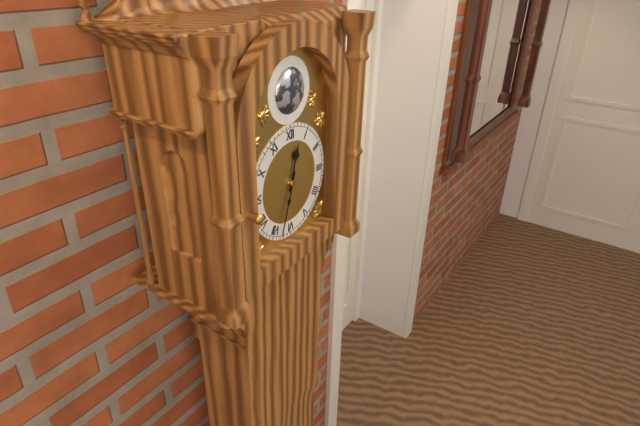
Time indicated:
{"hour": 12, "minute": 33}
